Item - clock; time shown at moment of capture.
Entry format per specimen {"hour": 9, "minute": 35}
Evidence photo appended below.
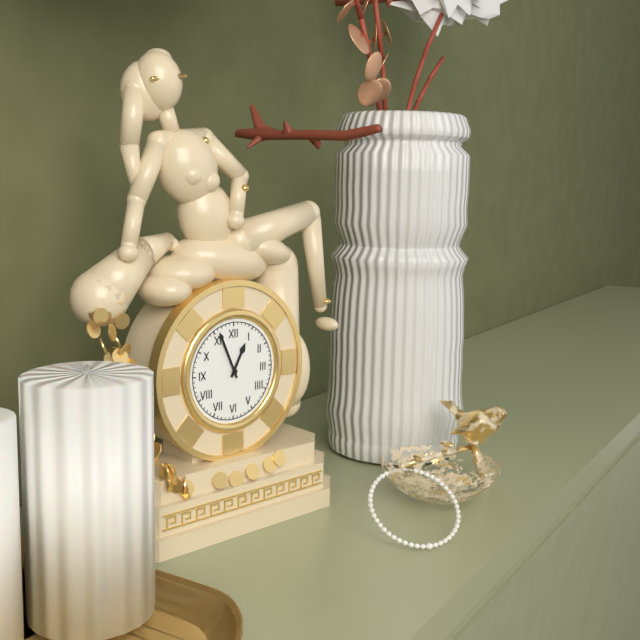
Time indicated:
{"hour": 12, "minute": 56}
